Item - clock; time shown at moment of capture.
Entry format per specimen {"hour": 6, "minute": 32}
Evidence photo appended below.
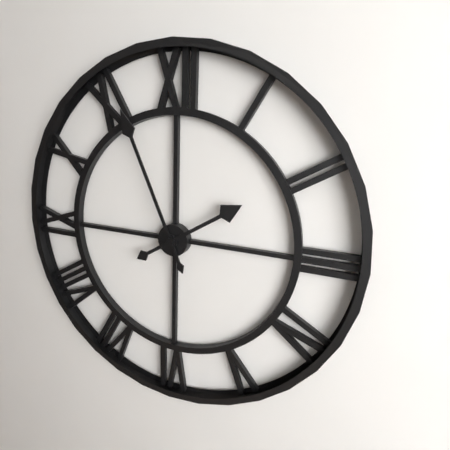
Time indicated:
{"hour": 1, "minute": 56}
